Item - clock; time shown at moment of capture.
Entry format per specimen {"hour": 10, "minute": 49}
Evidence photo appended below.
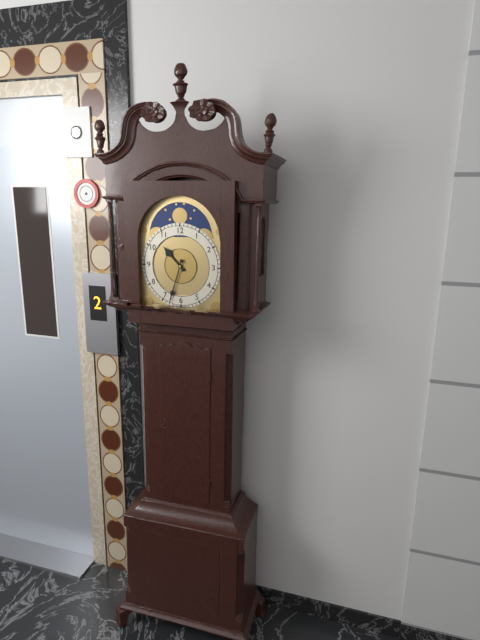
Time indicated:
{"hour": 10, "minute": 33}
